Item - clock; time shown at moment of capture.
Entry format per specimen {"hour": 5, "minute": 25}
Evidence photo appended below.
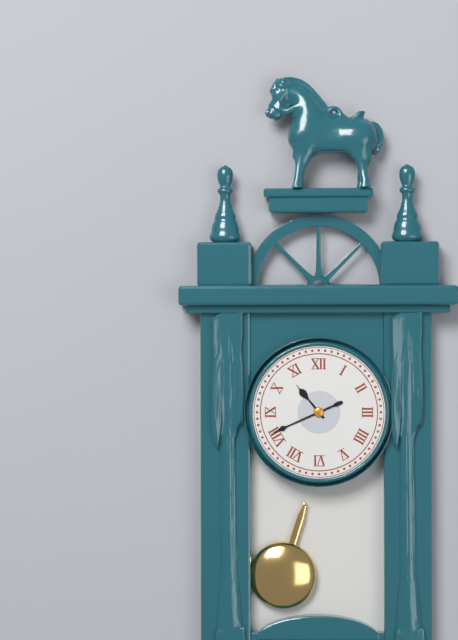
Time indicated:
{"hour": 10, "minute": 41}
